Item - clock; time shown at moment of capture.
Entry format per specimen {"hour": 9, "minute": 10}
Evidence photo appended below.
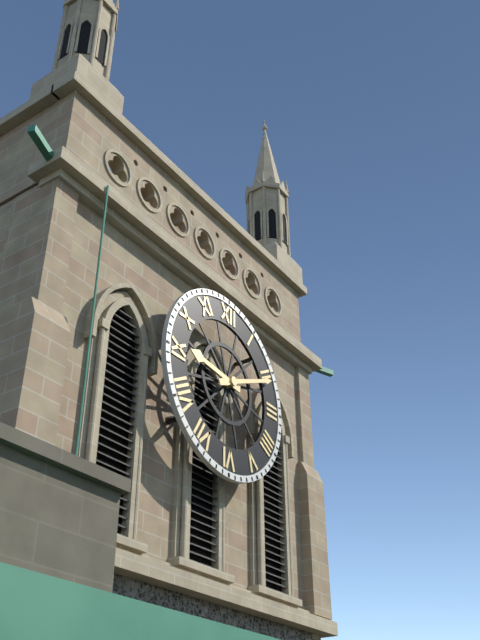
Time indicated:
{"hour": 9, "minute": 11}
